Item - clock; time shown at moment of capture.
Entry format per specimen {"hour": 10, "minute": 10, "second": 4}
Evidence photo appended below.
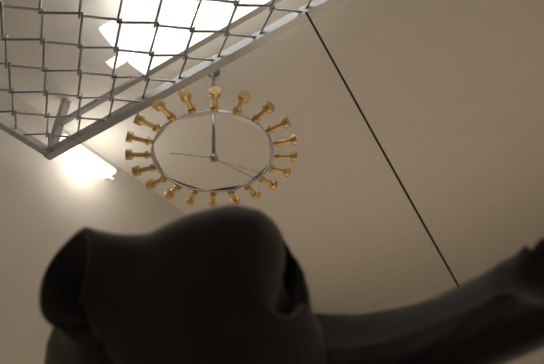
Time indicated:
{"hour": 10, "minute": 27, "second": 25}
